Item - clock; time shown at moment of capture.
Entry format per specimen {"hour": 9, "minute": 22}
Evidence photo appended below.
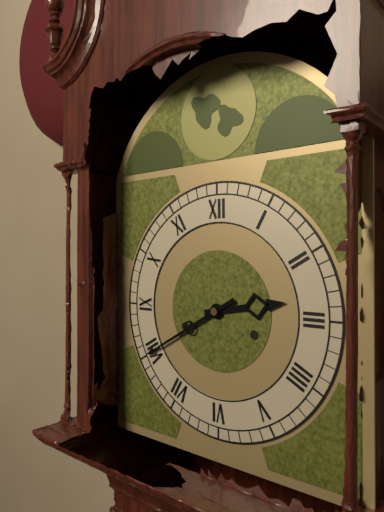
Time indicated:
{"hour": 2, "minute": 40}
